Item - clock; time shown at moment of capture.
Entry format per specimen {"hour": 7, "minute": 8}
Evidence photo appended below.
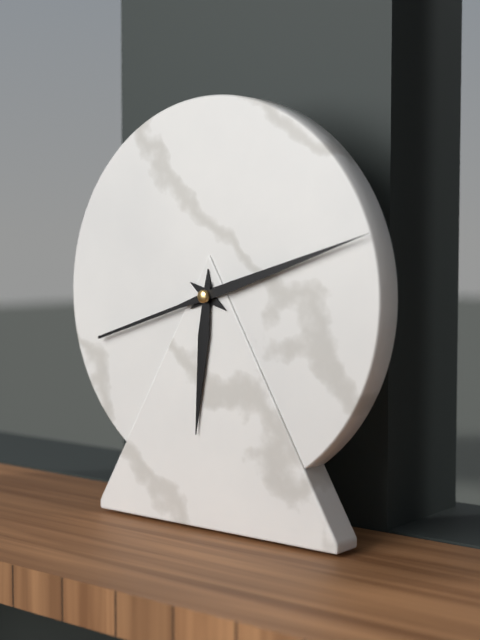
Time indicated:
{"hour": 6, "minute": 12}
